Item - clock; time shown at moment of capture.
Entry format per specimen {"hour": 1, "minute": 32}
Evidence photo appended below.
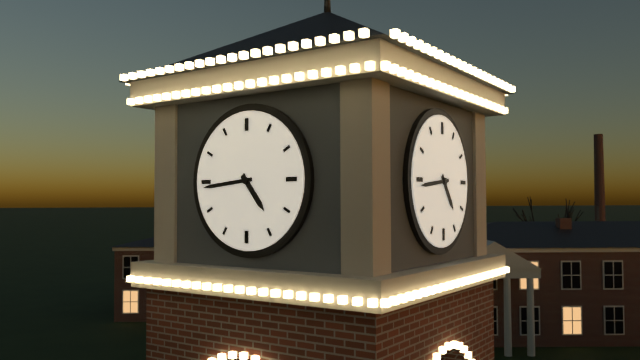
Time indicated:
{"hour": 4, "minute": 44}
